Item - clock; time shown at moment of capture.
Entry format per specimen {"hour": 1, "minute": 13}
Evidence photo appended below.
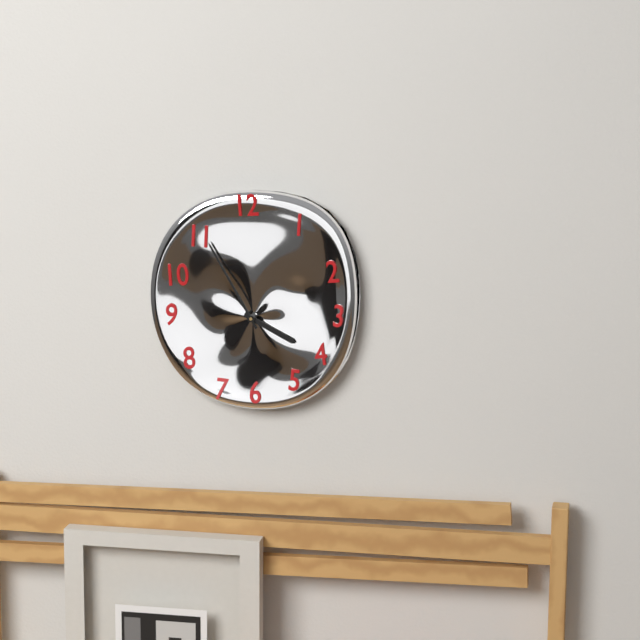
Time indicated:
{"hour": 3, "minute": 55}
